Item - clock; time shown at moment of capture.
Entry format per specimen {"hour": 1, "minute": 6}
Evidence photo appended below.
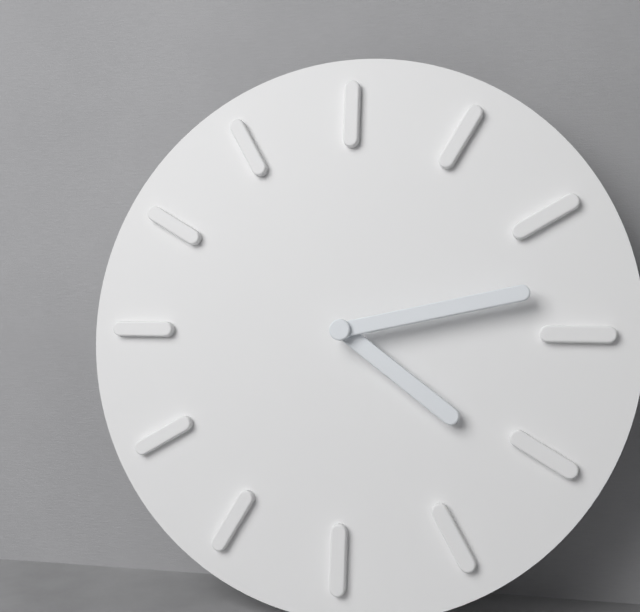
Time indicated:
{"hour": 4, "minute": 13}
